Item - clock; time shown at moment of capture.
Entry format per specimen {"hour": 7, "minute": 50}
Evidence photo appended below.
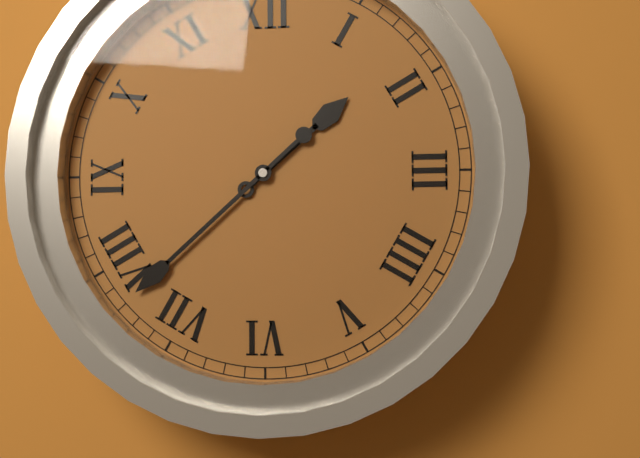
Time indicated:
{"hour": 1, "minute": 38}
